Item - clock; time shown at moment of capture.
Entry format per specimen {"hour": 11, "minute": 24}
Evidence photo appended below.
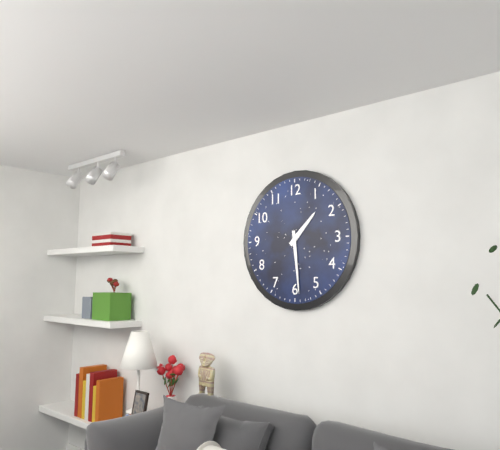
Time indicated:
{"hour": 1, "minute": 29}
